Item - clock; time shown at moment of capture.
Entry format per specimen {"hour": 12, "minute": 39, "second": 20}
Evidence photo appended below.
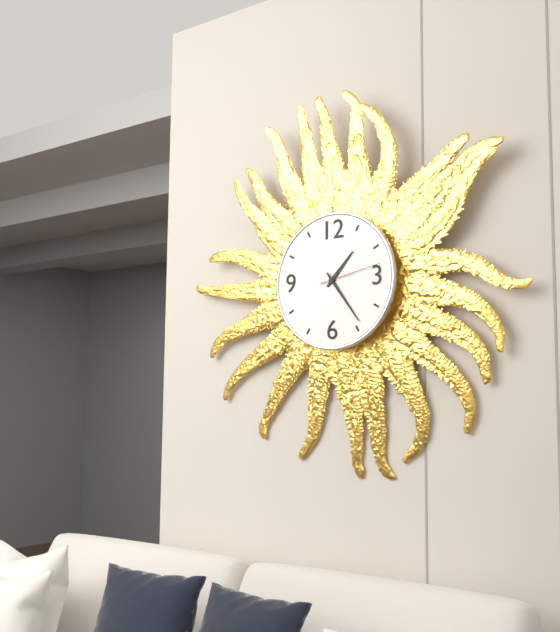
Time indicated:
{"hour": 1, "minute": 24, "second": 13}
